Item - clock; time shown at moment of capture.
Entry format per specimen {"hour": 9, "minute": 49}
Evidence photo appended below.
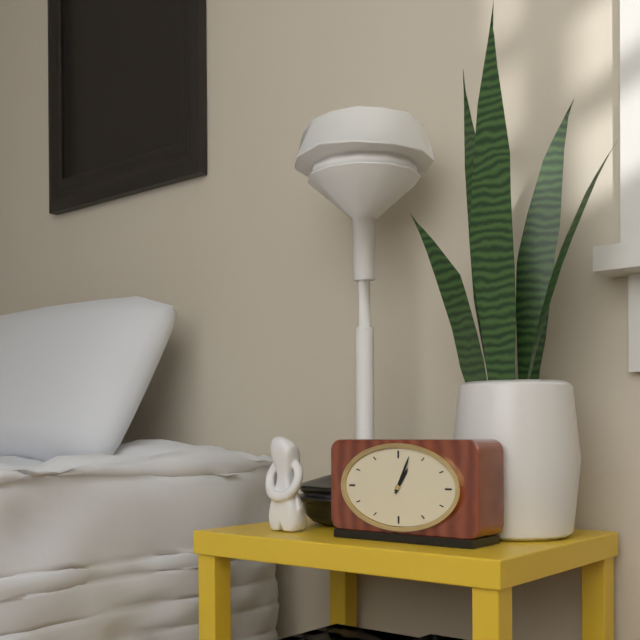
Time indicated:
{"hour": 1, "minute": 4}
